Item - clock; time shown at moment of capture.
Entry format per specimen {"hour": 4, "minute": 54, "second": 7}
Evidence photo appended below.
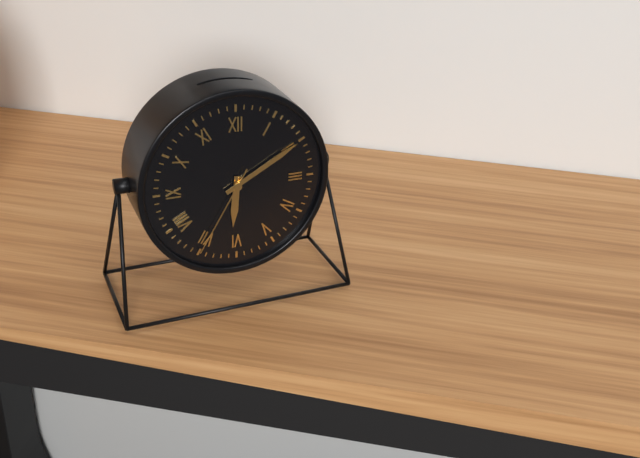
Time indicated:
{"hour": 6, "minute": 10, "second": 35}
